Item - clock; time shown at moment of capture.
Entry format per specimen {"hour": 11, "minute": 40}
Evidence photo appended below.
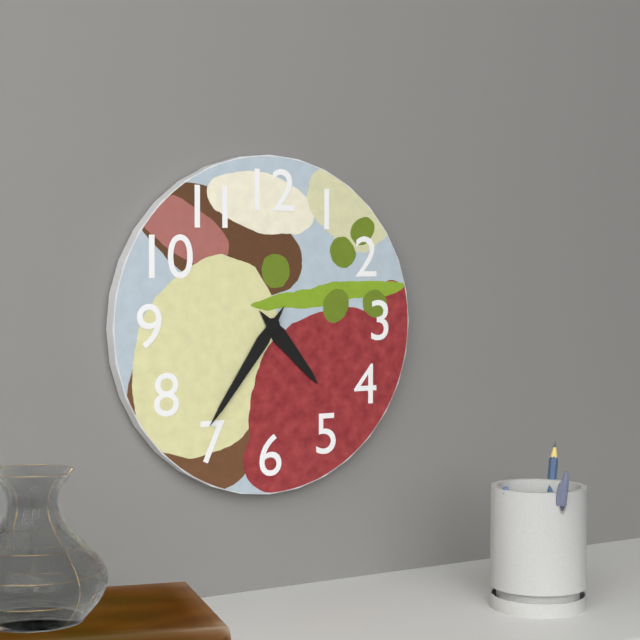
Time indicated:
{"hour": 4, "minute": 36}
